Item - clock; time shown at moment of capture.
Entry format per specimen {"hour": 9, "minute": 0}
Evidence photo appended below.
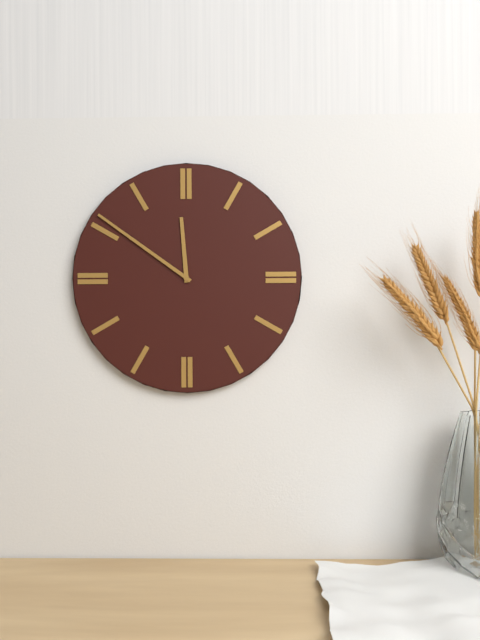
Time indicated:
{"hour": 11, "minute": 51}
